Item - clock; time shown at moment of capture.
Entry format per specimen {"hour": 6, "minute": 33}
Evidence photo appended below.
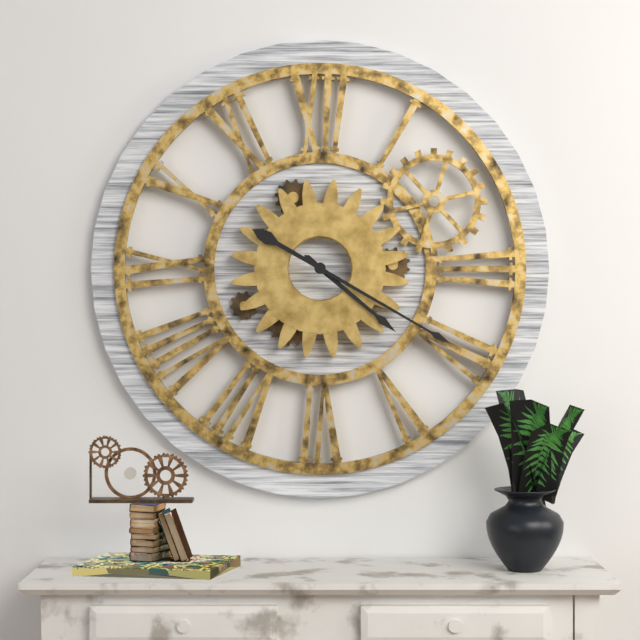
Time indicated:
{"hour": 4, "minute": 20}
